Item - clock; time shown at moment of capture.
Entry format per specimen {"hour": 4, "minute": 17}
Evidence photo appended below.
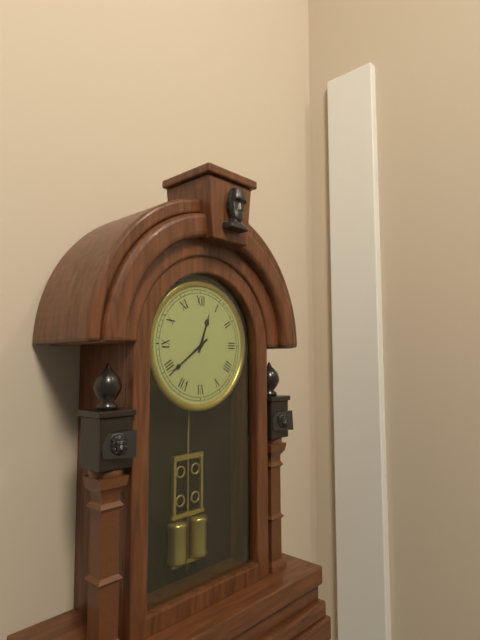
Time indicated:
{"hour": 12, "minute": 39}
